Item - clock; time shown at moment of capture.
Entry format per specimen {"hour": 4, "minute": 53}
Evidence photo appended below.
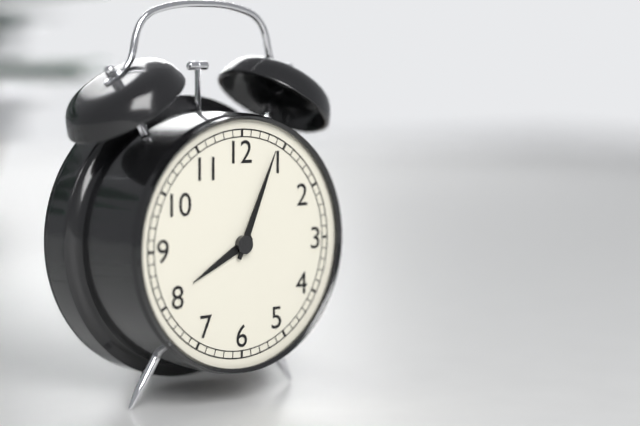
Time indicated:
{"hour": 8, "minute": 4}
